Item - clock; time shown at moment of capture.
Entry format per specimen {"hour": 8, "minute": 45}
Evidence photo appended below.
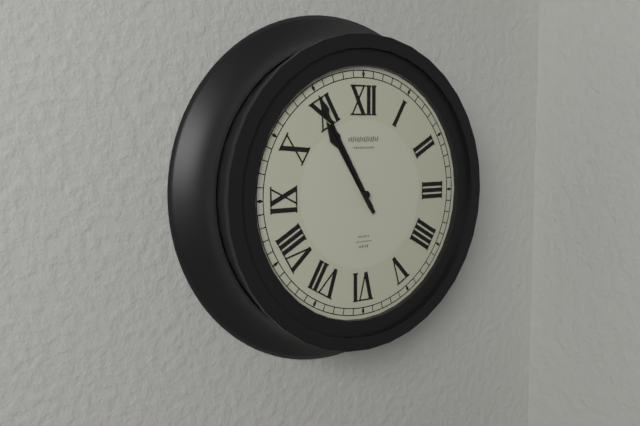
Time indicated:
{"hour": 10, "minute": 55}
